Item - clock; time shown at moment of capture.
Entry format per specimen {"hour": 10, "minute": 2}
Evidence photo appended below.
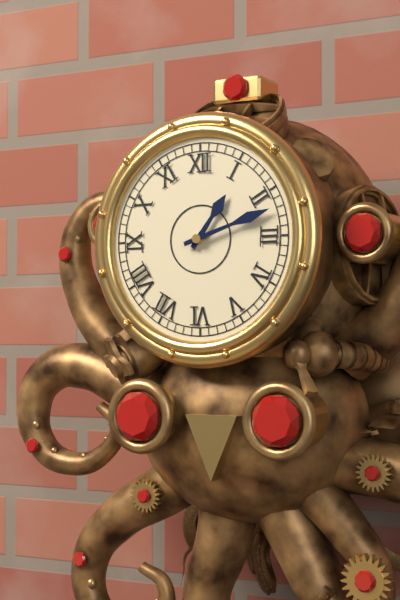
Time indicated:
{"hour": 1, "minute": 12}
